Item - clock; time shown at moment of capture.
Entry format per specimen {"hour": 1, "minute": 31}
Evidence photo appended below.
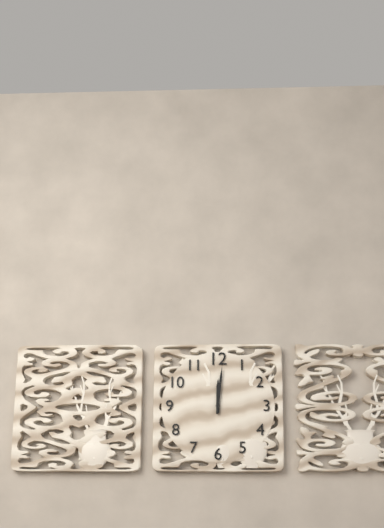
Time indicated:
{"hour": 12, "minute": 1}
